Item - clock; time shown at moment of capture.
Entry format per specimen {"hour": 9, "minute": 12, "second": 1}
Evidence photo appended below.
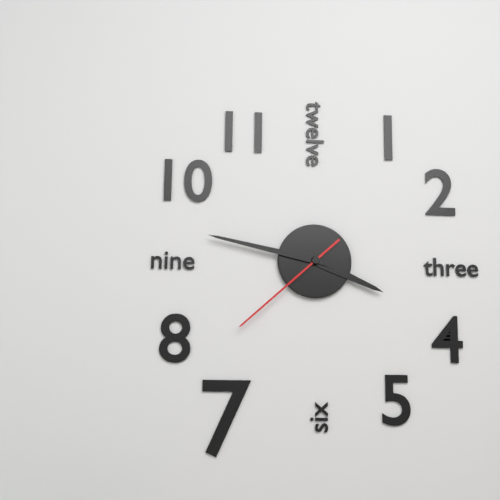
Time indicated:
{"hour": 3, "minute": 47, "second": 38}
